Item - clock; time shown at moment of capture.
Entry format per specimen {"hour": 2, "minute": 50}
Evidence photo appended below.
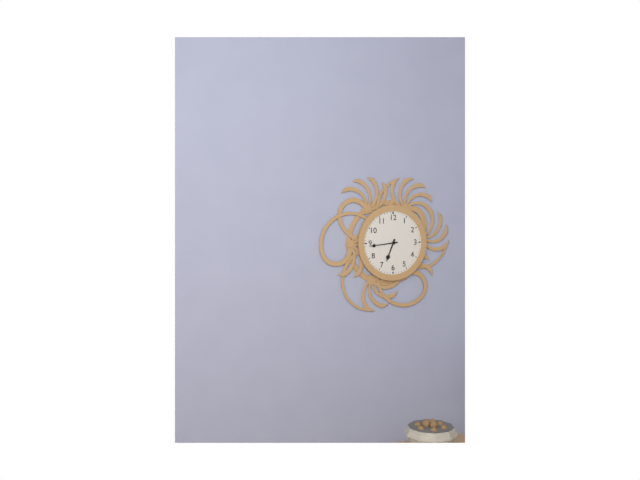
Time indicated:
{"hour": 6, "minute": 44}
